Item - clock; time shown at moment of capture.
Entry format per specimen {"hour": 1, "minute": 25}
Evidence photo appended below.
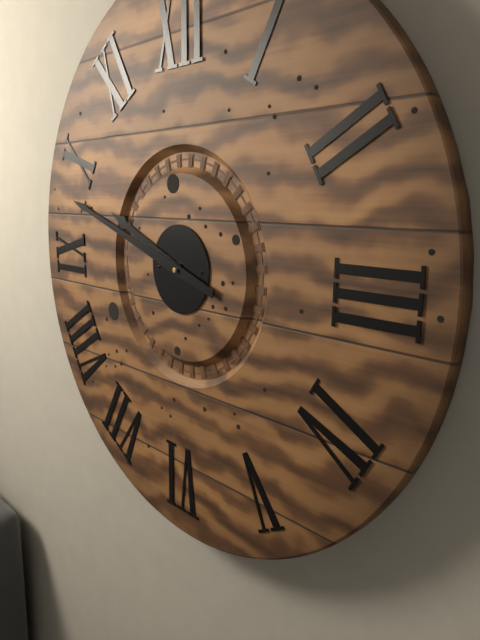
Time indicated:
{"hour": 9, "minute": 48}
